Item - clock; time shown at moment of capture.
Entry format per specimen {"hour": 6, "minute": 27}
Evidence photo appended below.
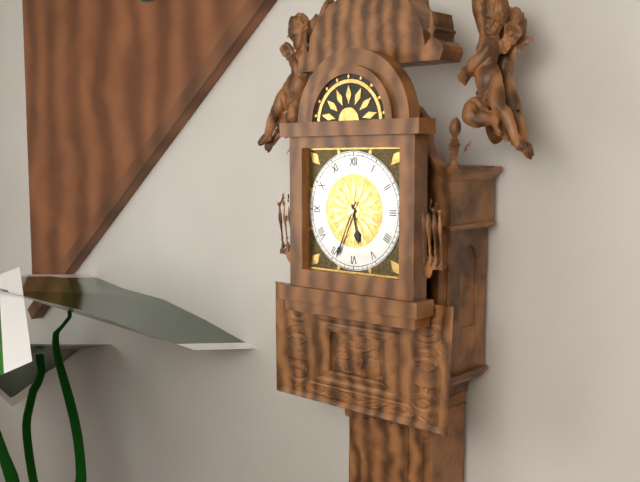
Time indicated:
{"hour": 5, "minute": 34}
